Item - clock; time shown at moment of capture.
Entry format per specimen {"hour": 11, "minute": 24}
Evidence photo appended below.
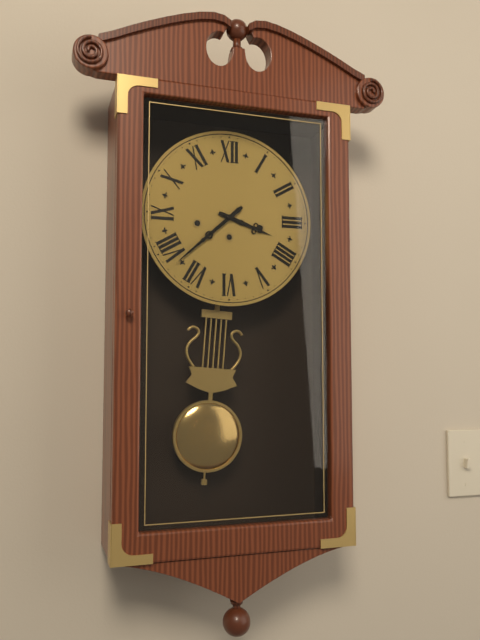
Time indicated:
{"hour": 3, "minute": 38}
